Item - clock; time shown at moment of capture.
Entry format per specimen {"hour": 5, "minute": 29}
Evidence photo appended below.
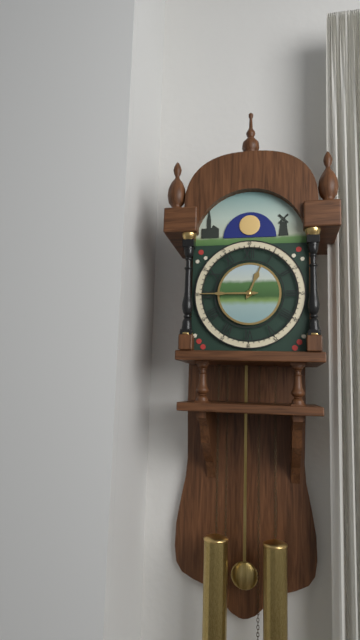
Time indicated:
{"hour": 12, "minute": 45}
